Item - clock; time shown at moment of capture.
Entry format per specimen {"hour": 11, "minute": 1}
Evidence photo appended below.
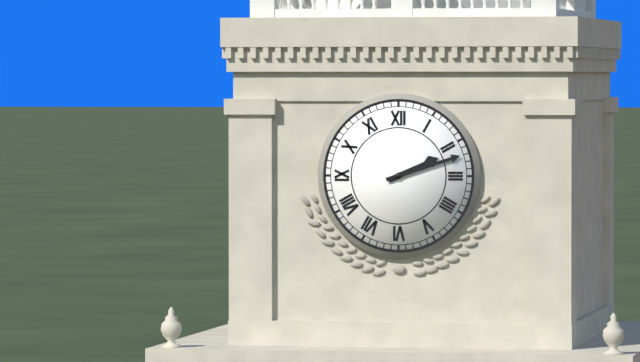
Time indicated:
{"hour": 2, "minute": 12}
